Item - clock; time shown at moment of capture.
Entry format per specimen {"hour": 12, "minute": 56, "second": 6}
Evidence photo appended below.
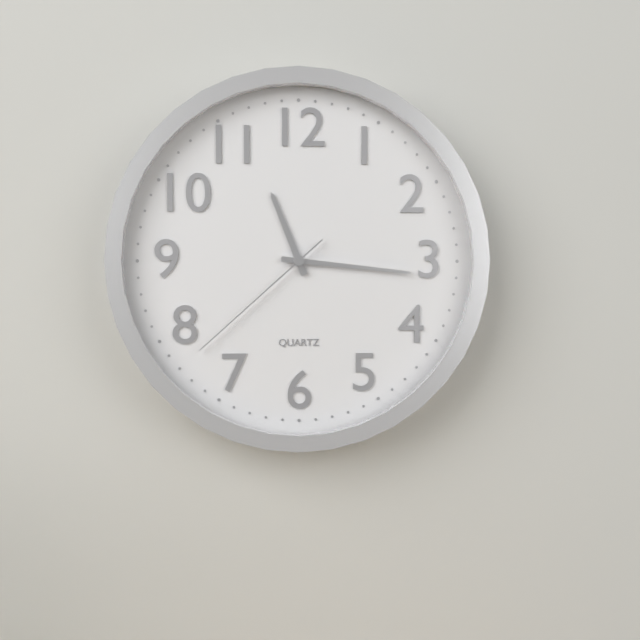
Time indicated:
{"hour": 11, "minute": 16, "second": 38}
